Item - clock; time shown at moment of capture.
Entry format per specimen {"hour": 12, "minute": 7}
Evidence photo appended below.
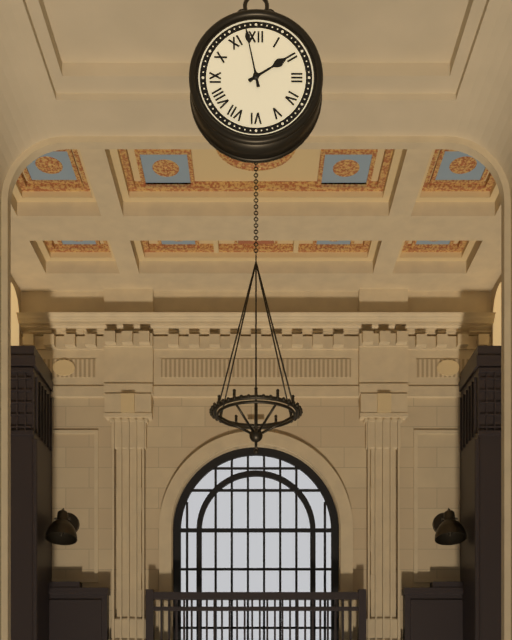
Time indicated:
{"hour": 1, "minute": 58}
